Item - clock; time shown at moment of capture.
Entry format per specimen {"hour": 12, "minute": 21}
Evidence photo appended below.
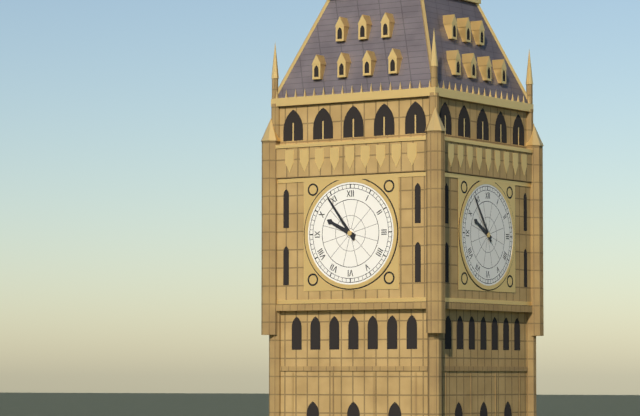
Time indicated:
{"hour": 9, "minute": 54}
